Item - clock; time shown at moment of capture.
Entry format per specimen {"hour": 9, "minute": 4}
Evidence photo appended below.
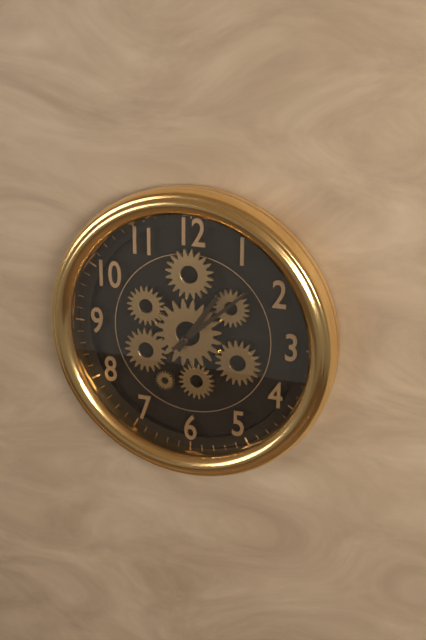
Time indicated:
{"hour": 1, "minute": 8}
